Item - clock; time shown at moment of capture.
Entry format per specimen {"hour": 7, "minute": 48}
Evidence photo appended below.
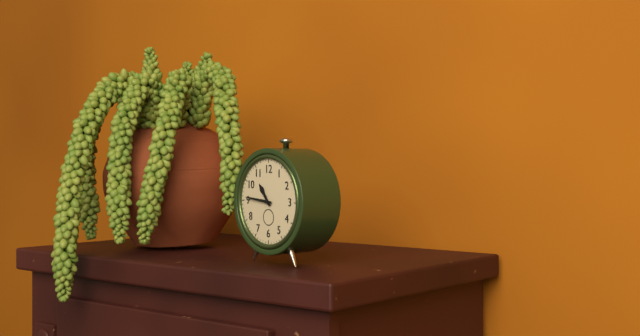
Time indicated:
{"hour": 10, "minute": 46}
